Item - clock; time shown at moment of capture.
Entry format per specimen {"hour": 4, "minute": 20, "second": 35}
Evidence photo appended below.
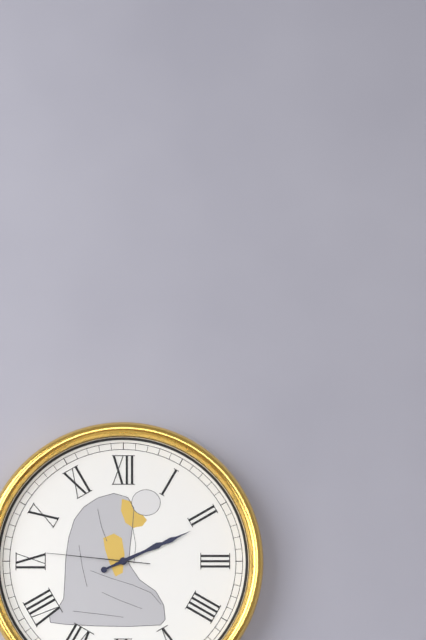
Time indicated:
{"hour": 2, "minute": 11, "second": 46}
